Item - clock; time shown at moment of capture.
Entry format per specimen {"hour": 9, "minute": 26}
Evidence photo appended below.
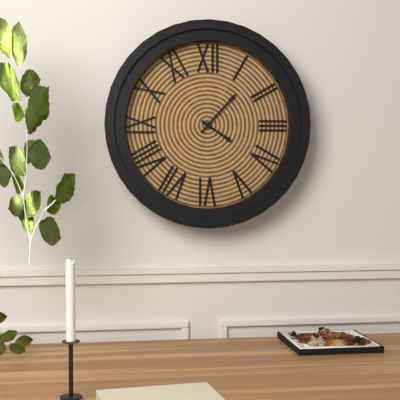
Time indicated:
{"hour": 4, "minute": 7}
